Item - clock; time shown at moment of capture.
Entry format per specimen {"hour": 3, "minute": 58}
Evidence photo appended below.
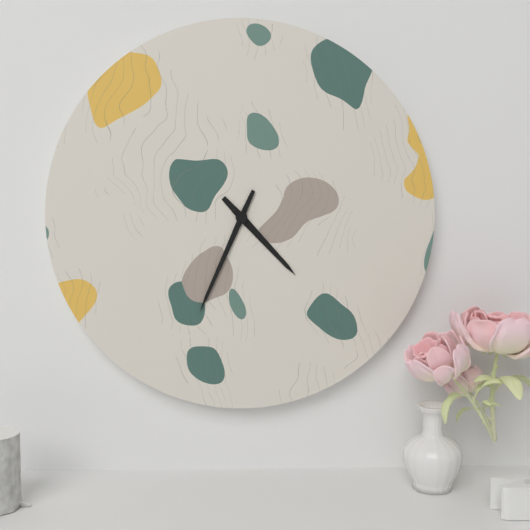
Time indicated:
{"hour": 4, "minute": 34}
